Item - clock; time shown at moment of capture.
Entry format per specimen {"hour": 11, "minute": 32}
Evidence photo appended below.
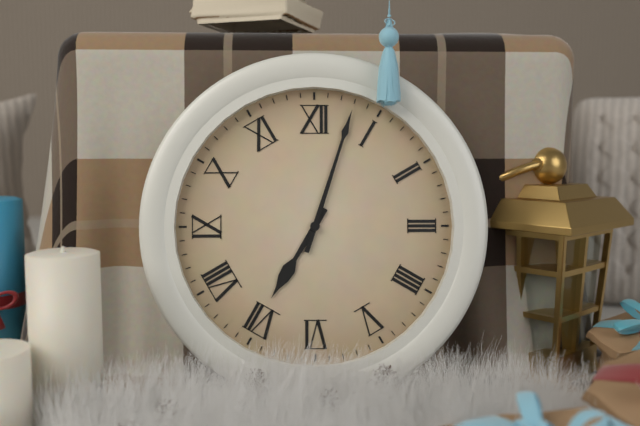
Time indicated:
{"hour": 7, "minute": 3}
